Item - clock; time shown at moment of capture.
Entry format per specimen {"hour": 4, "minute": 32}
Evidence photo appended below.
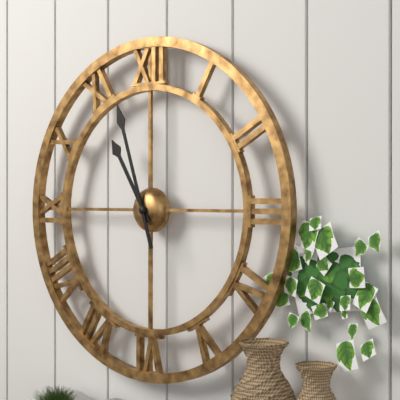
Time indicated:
{"hour": 10, "minute": 57}
